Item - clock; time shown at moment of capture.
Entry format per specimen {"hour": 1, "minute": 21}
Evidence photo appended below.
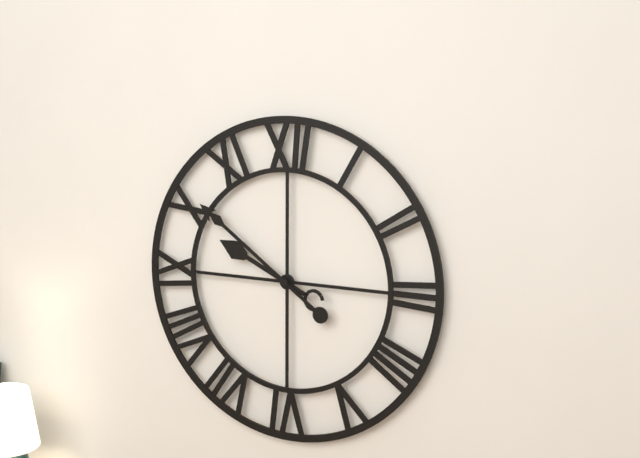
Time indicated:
{"hour": 9, "minute": 51}
